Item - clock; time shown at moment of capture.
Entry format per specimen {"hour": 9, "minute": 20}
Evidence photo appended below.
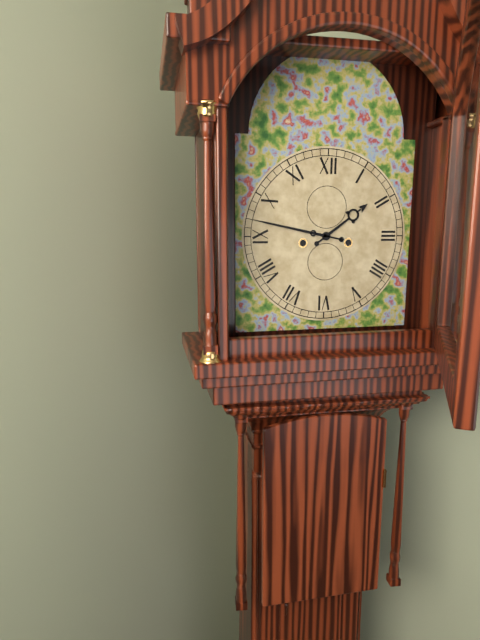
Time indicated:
{"hour": 1, "minute": 47}
